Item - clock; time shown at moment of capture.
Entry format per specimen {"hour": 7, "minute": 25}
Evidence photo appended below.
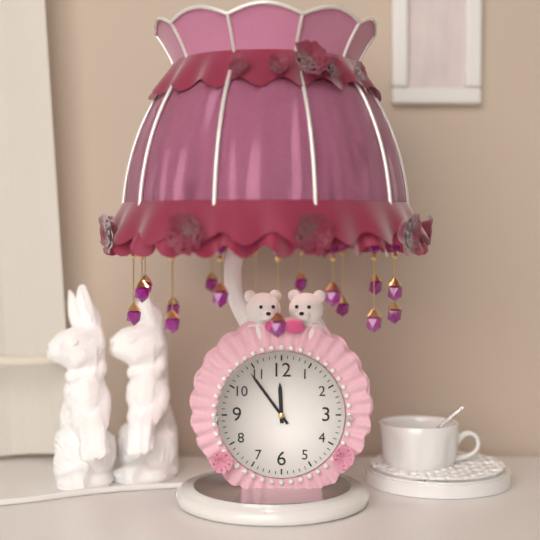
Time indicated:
{"hour": 11, "minute": 54}
